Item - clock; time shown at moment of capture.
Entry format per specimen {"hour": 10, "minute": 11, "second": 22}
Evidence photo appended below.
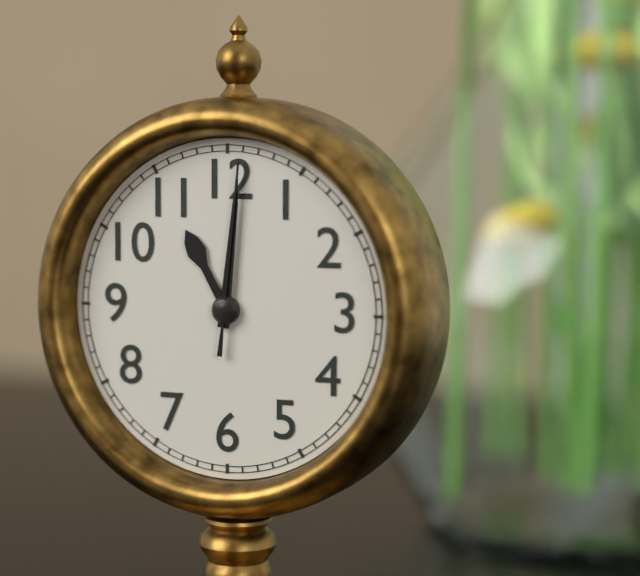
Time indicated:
{"hour": 11, "minute": 1, "second": 1}
